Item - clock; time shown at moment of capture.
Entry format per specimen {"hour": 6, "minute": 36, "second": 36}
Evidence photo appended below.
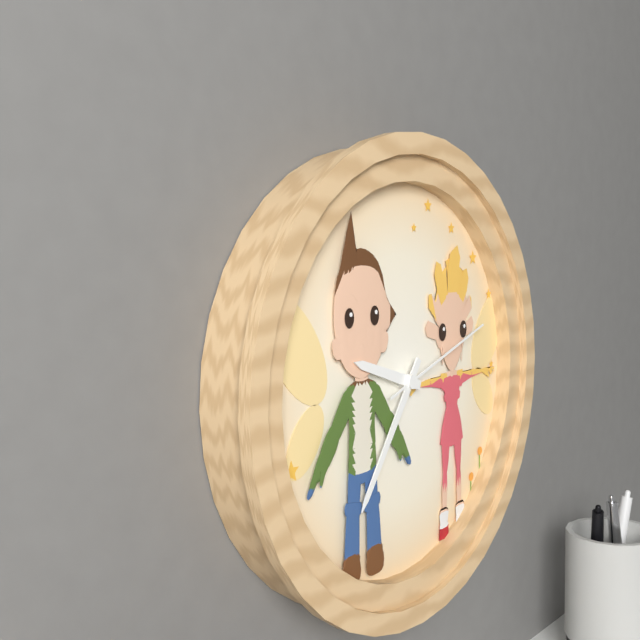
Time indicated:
{"hour": 9, "minute": 36, "second": 12}
